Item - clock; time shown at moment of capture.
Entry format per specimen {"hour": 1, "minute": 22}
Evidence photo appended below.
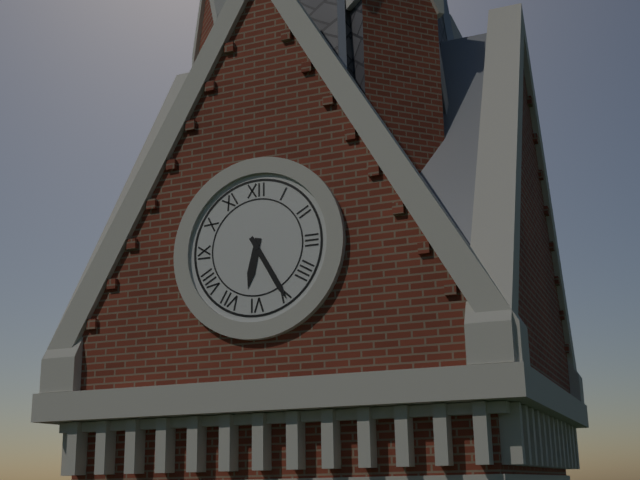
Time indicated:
{"hour": 6, "minute": 25}
